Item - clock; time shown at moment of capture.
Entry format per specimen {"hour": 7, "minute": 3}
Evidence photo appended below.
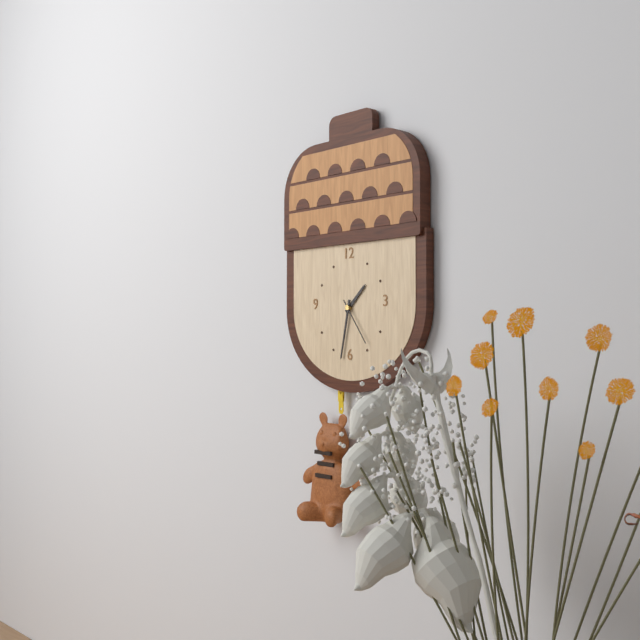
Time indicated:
{"hour": 1, "minute": 32}
